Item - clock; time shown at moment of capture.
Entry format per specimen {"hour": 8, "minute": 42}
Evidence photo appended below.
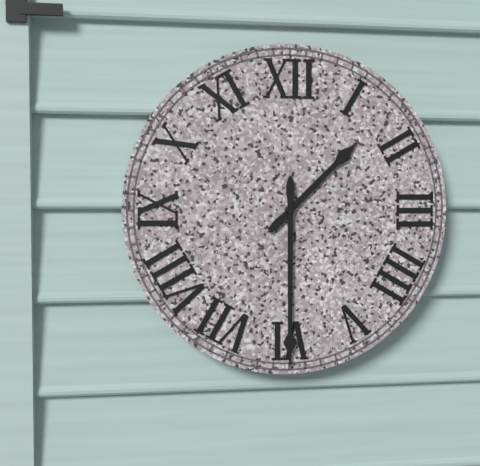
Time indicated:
{"hour": 1, "minute": 30}
